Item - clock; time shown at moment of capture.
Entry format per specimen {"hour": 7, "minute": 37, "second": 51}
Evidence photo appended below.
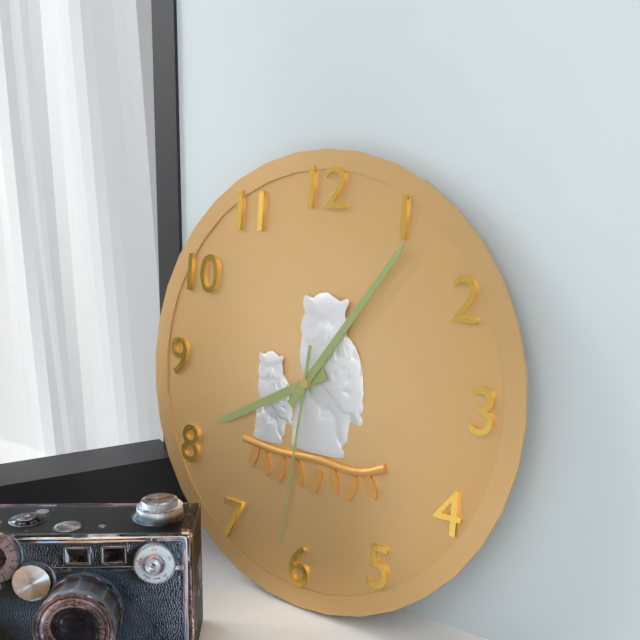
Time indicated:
{"hour": 8, "minute": 6, "second": 31}
